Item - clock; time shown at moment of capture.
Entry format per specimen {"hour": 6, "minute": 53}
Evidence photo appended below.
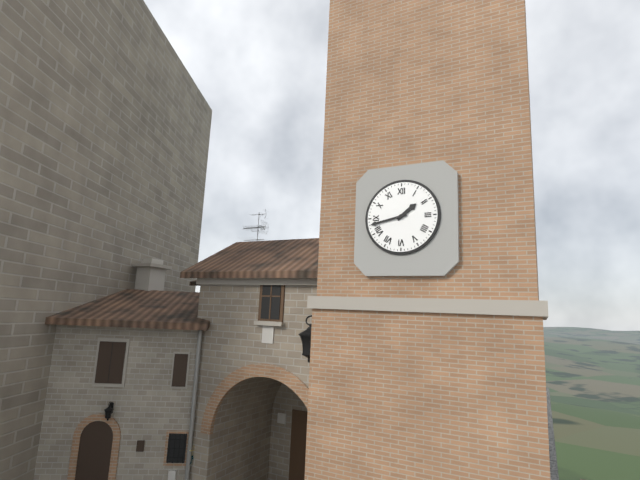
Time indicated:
{"hour": 1, "minute": 43}
